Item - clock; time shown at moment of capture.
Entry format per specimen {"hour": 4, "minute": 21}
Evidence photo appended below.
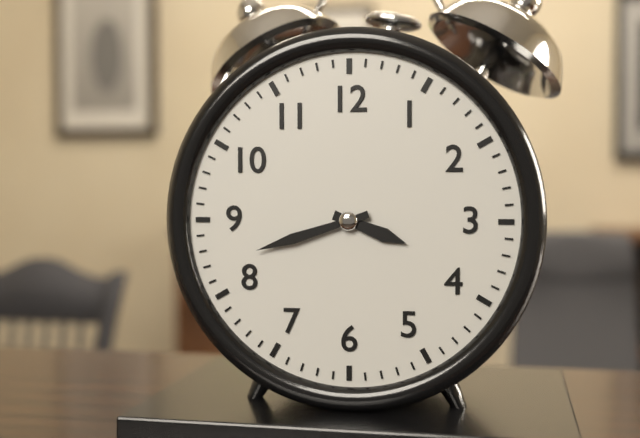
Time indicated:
{"hour": 3, "minute": 42}
